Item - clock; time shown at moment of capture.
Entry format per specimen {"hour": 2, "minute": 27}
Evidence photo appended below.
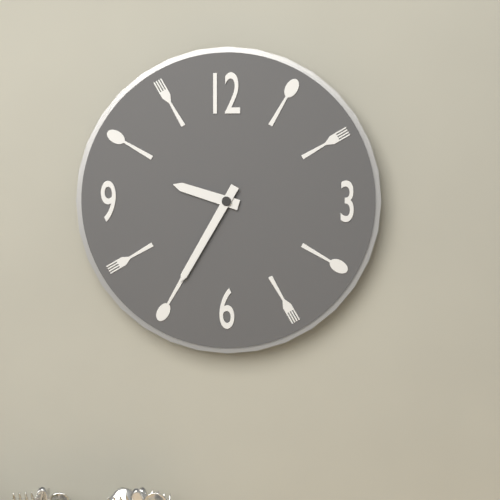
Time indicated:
{"hour": 9, "minute": 35}
